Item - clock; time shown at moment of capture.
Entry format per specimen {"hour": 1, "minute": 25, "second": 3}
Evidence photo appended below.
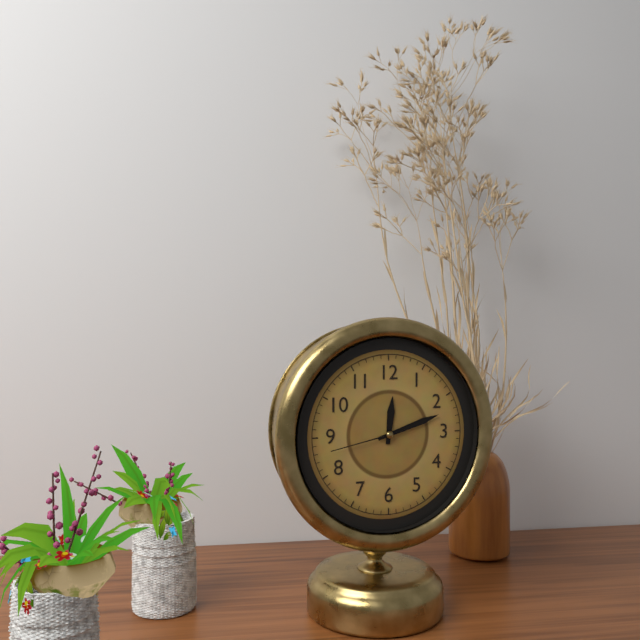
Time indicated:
{"hour": 12, "minute": 12, "second": 43}
